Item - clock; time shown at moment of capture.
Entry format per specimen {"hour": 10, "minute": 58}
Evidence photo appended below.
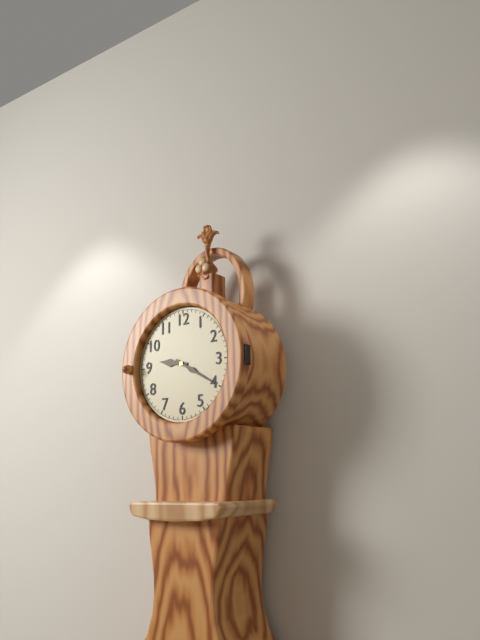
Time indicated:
{"hour": 9, "minute": 20}
